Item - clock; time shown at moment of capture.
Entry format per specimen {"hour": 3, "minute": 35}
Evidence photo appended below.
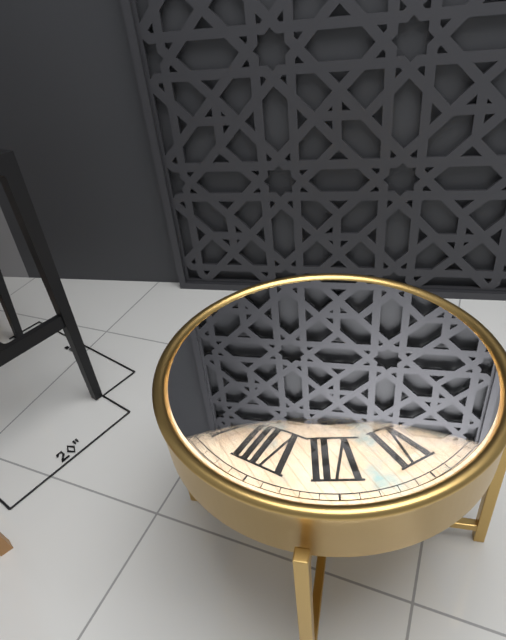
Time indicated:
{"hour": 9, "minute": 58}
